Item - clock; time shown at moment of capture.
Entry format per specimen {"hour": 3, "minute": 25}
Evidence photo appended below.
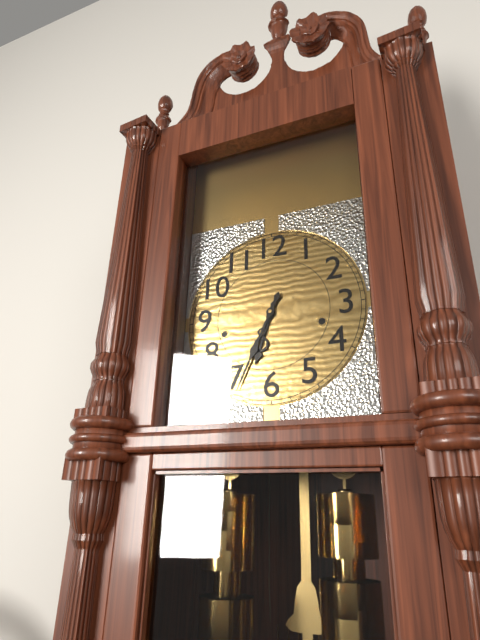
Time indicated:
{"hour": 6, "minute": 34}
